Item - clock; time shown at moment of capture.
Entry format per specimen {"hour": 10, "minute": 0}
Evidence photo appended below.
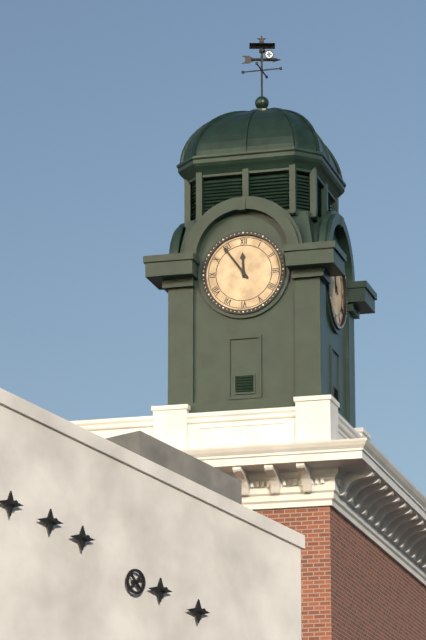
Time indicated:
{"hour": 11, "minute": 54}
